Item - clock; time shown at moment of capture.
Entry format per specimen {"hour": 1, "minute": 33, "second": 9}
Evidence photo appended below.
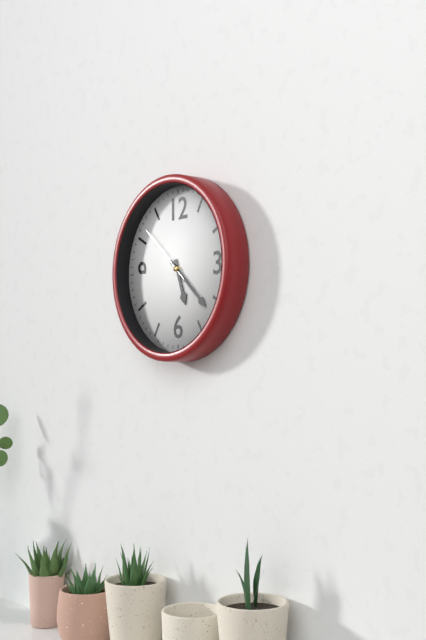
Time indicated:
{"hour": 5, "minute": 22, "second": 52}
